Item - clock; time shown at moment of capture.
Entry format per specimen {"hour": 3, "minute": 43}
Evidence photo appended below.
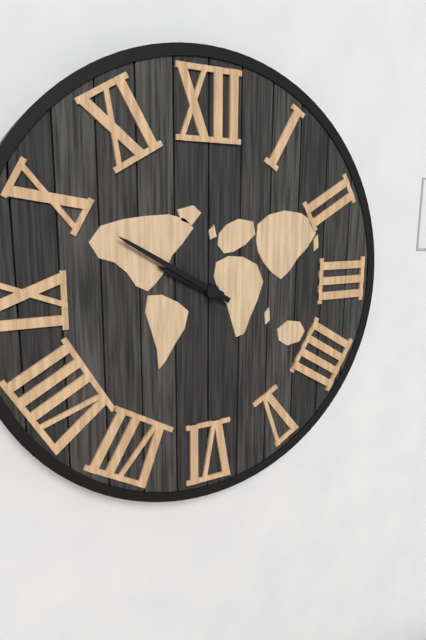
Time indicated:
{"hour": 9, "minute": 50}
